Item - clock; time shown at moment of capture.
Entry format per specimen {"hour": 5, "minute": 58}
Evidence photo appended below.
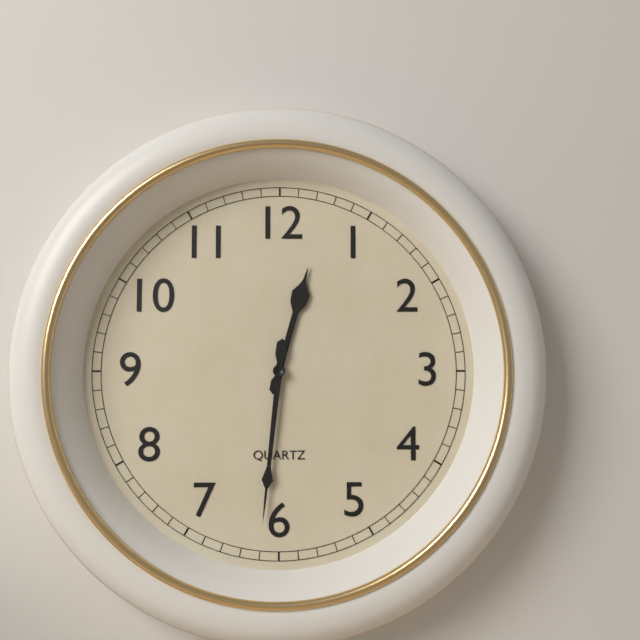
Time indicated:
{"hour": 12, "minute": 31}
